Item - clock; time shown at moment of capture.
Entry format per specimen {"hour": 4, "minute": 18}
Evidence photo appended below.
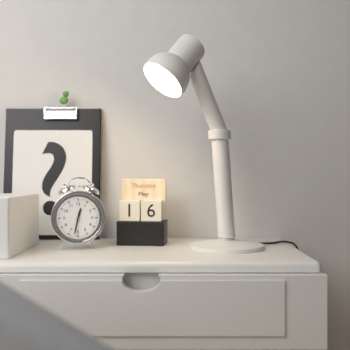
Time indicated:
{"hour": 12, "minute": 32}
